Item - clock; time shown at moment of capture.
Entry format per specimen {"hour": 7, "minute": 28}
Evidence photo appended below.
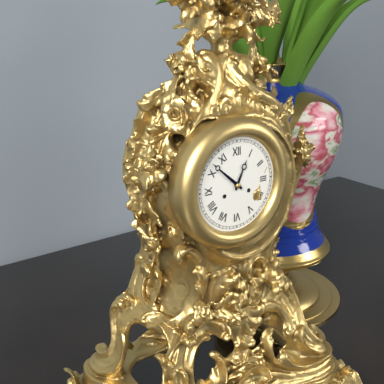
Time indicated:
{"hour": 12, "minute": 52}
